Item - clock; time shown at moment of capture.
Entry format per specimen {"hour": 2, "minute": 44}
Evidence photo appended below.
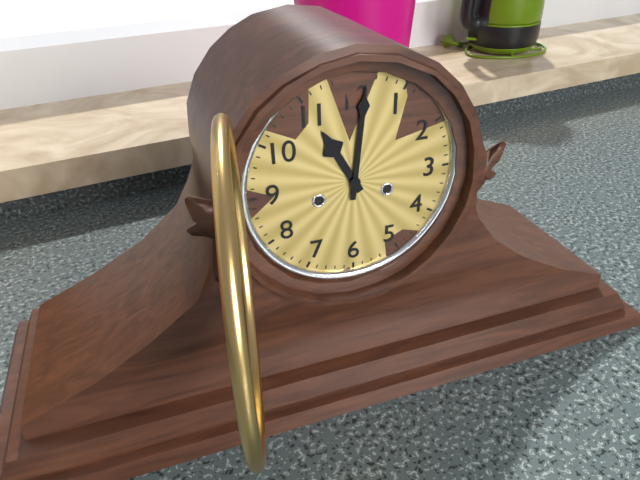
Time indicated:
{"hour": 11, "minute": 1}
